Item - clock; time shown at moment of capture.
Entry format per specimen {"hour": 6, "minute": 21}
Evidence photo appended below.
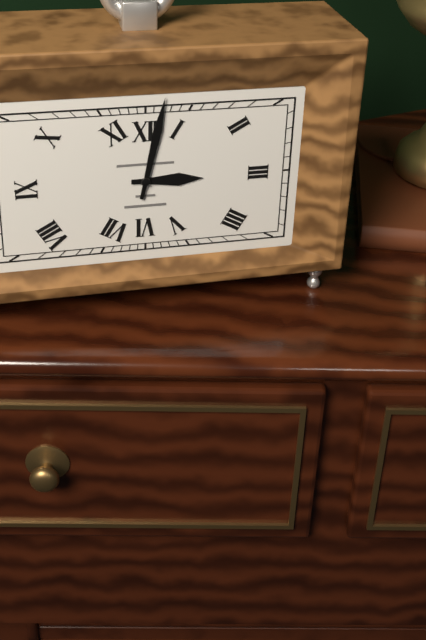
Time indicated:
{"hour": 3, "minute": 2}
